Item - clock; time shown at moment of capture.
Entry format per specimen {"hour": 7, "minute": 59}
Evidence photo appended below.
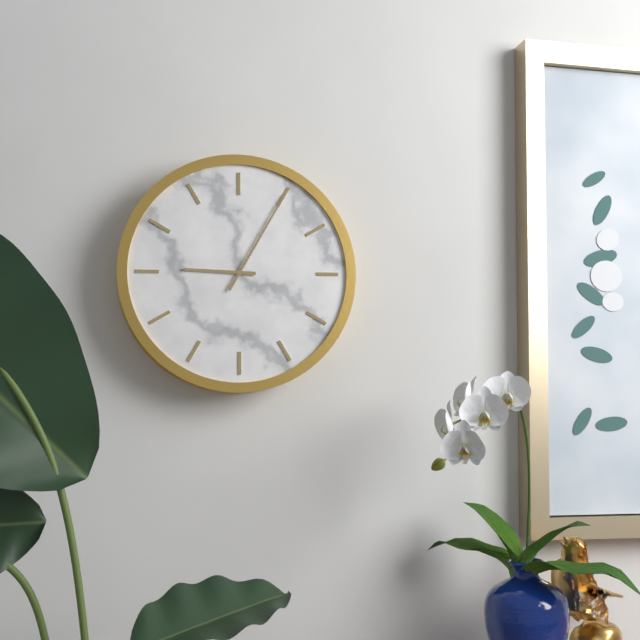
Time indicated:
{"hour": 9, "minute": 5}
